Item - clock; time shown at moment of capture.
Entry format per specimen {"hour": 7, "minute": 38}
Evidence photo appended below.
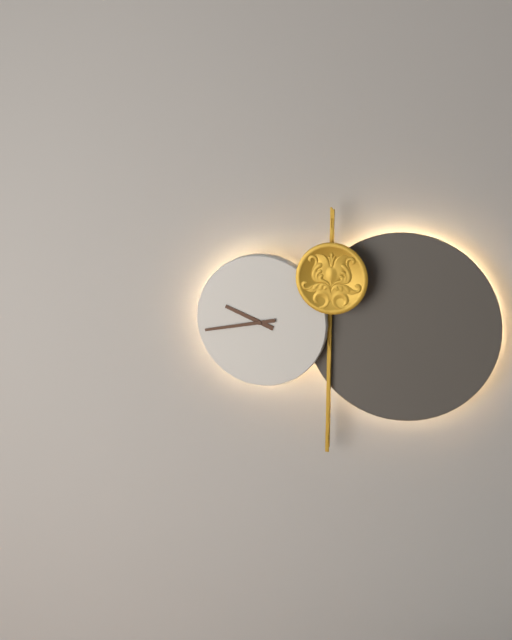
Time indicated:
{"hour": 9, "minute": 43}
